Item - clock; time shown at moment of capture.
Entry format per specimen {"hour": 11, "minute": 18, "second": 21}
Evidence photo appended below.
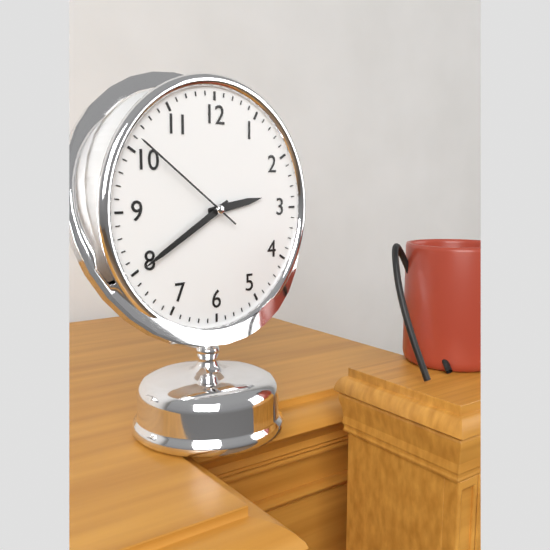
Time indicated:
{"hour": 2, "minute": 40, "second": 51}
